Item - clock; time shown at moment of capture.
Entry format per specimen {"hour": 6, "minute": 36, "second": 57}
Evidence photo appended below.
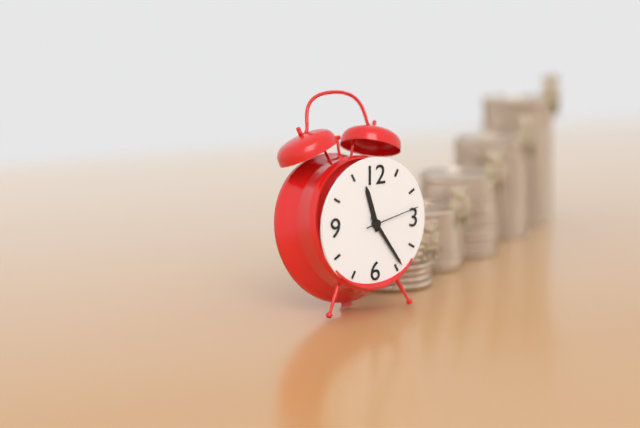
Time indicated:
{"hour": 11, "minute": 24, "second": 13}
